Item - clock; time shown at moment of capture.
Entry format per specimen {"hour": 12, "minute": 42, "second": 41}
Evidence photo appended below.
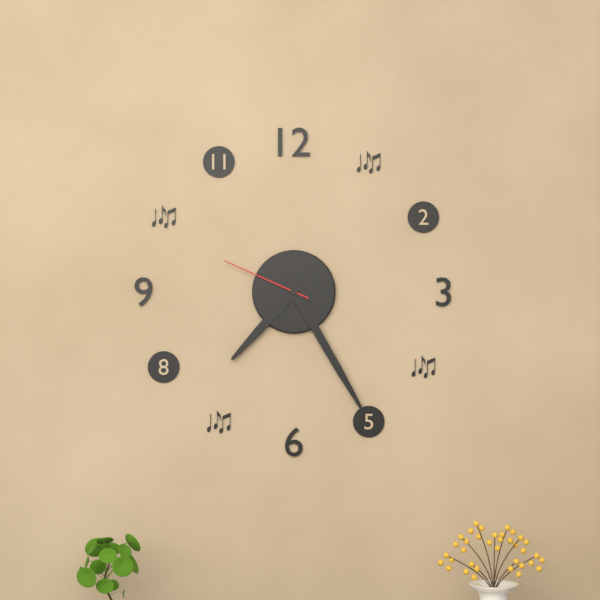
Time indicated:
{"hour": 7, "minute": 25, "second": 49}
